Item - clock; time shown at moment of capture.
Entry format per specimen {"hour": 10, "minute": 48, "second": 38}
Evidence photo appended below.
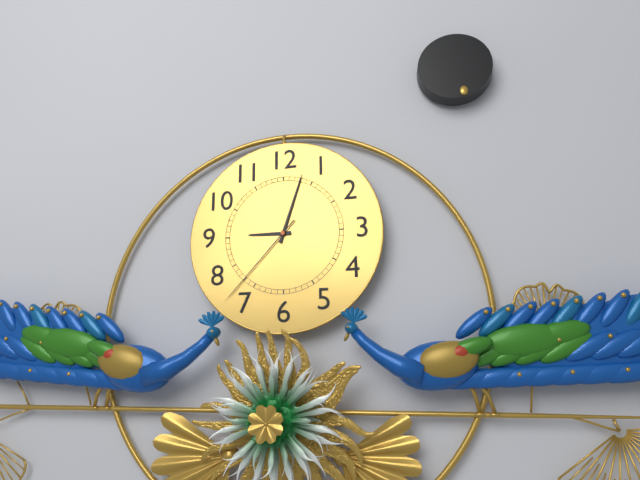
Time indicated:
{"hour": 9, "minute": 3, "second": 37}
